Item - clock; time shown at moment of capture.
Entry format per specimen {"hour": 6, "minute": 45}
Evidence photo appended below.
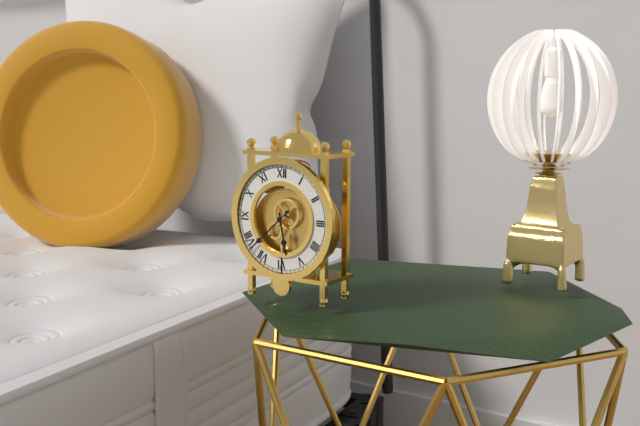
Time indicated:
{"hour": 5, "minute": 38}
